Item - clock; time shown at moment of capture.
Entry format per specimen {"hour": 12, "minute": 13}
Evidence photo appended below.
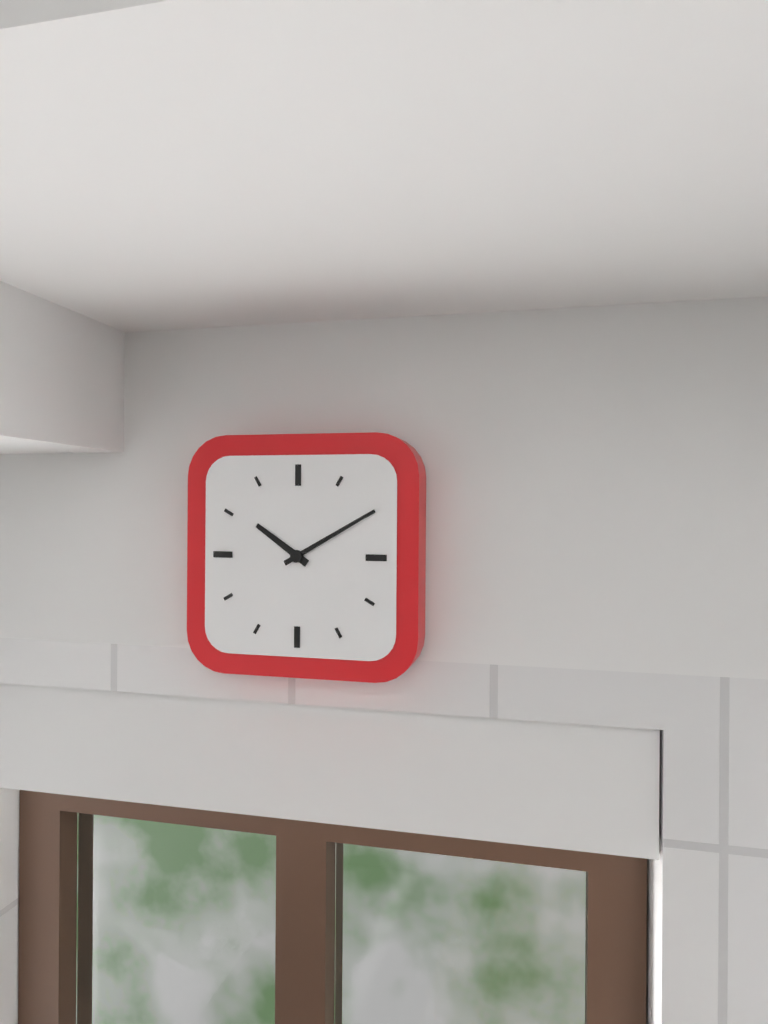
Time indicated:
{"hour": 10, "minute": 10}
